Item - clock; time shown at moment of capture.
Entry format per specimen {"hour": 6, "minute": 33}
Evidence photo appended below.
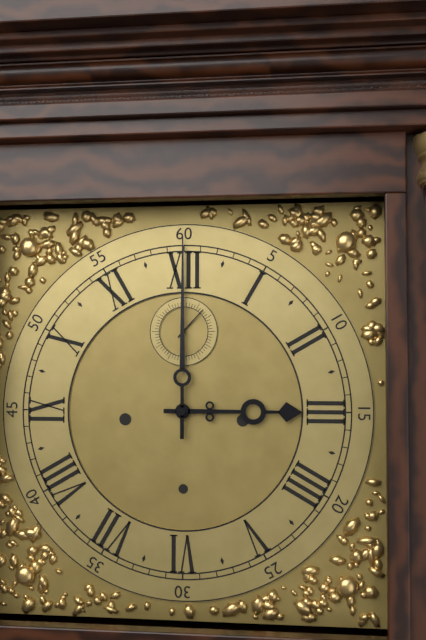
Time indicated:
{"hour": 3, "minute": 0}
